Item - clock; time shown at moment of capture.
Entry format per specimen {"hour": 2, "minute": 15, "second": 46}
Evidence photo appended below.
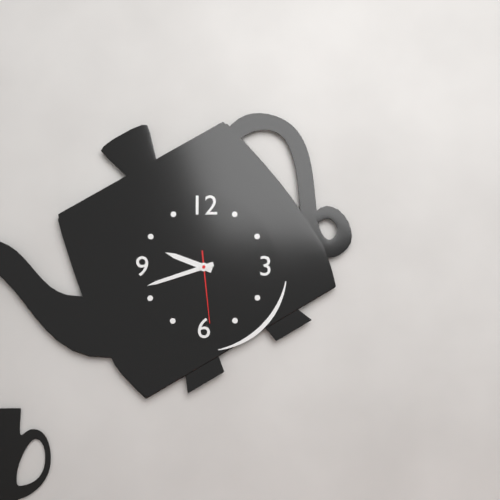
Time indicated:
{"hour": 9, "minute": 42, "second": 29}
